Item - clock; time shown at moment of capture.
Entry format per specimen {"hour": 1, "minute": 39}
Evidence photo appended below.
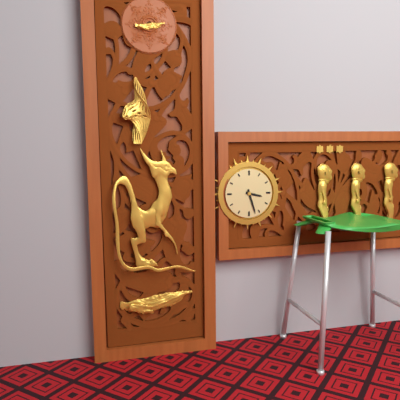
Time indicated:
{"hour": 3, "minute": 27}
